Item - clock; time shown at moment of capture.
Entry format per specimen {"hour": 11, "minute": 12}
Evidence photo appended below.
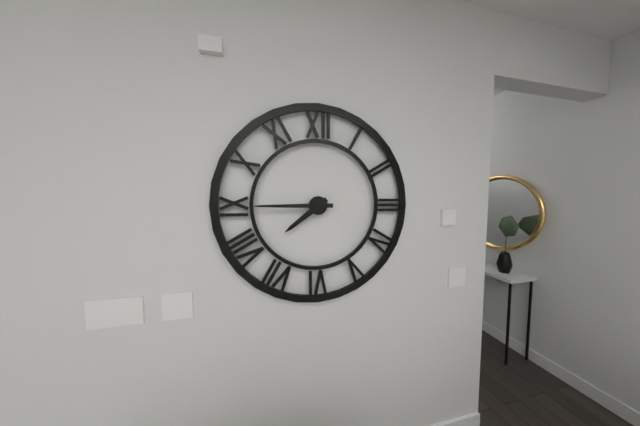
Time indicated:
{"hour": 7, "minute": 45}
